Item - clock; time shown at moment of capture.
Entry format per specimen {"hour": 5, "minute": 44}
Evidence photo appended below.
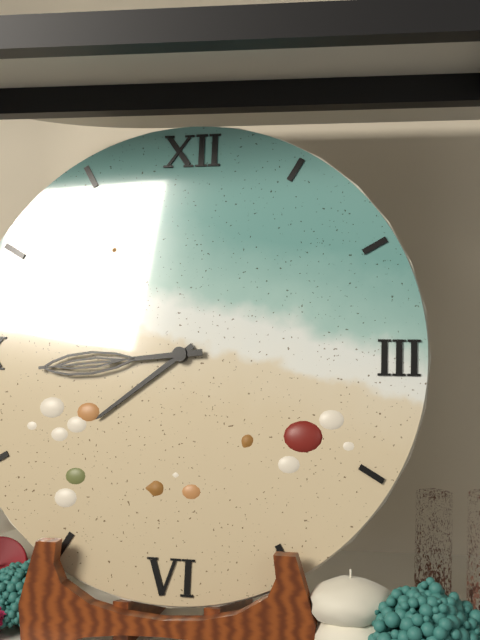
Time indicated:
{"hour": 7, "minute": 44}
